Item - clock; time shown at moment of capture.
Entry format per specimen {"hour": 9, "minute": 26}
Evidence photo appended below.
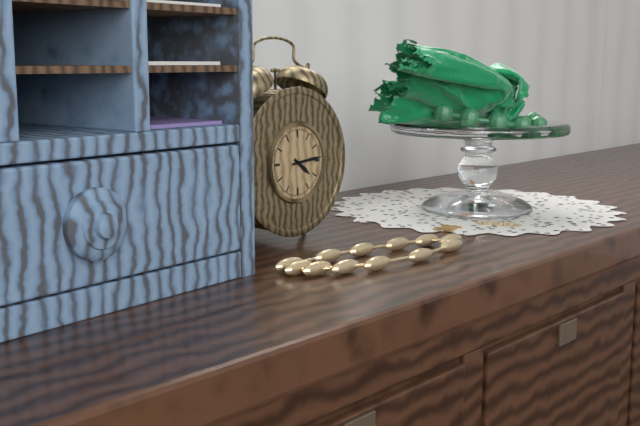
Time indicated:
{"hour": 4, "minute": 14}
